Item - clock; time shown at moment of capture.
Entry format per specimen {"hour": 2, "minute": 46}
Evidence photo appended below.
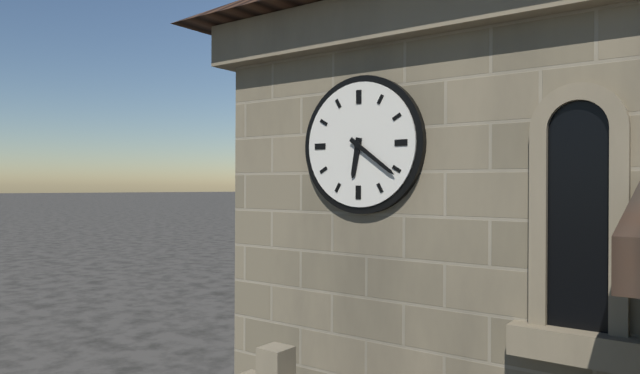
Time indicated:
{"hour": 6, "minute": 21}
